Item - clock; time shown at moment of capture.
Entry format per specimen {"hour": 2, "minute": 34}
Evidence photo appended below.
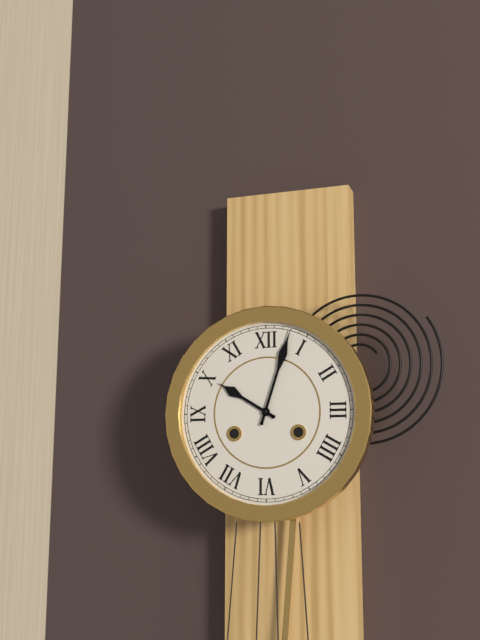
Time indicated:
{"hour": 10, "minute": 3}
